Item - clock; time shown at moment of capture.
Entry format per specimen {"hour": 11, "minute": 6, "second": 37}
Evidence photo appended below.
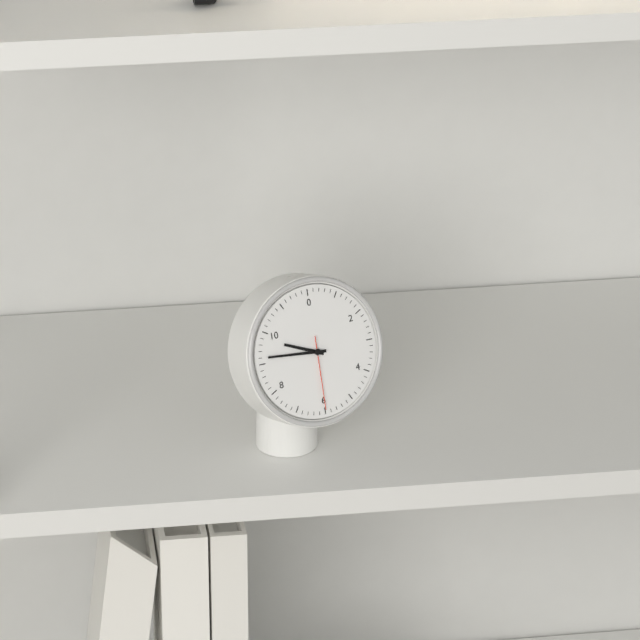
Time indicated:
{"hour": 9, "minute": 46, "second": 30}
